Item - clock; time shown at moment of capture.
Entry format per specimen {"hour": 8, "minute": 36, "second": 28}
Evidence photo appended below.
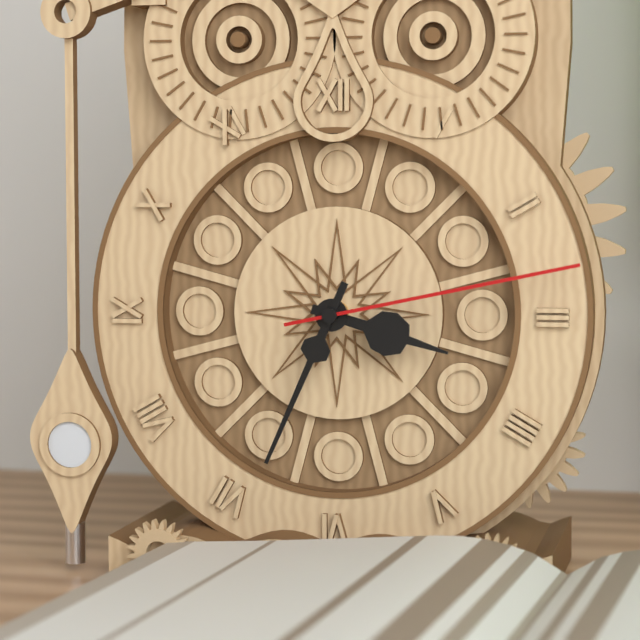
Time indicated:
{"hour": 3, "minute": 34, "second": 13}
